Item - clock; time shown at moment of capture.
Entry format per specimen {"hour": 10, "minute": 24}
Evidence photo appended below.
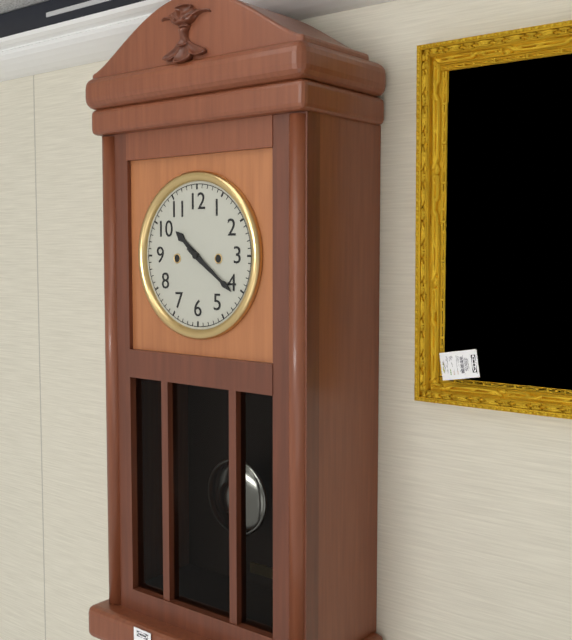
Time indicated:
{"hour": 10, "minute": 21}
